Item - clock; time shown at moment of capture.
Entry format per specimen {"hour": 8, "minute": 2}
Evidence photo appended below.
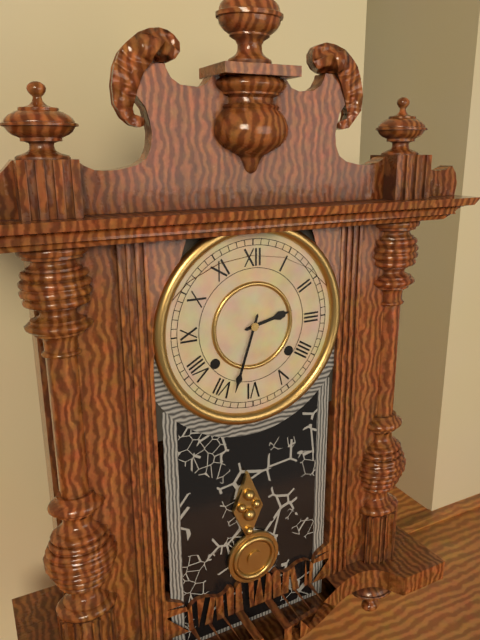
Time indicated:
{"hour": 2, "minute": 33}
